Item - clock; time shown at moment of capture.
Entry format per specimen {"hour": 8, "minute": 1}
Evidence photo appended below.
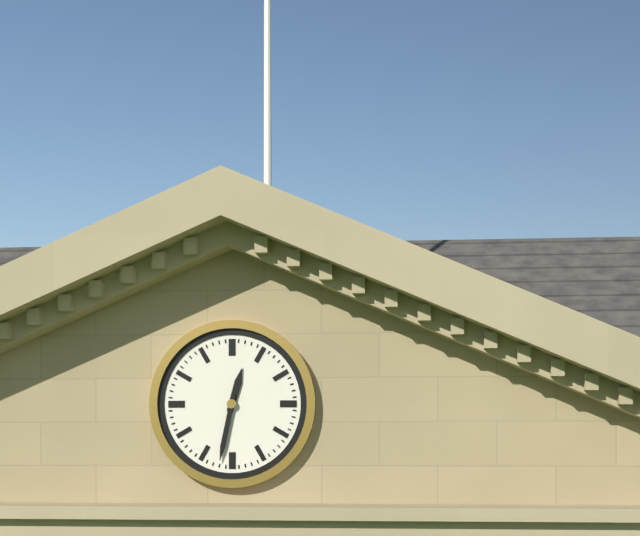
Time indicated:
{"hour": 12, "minute": 32}
